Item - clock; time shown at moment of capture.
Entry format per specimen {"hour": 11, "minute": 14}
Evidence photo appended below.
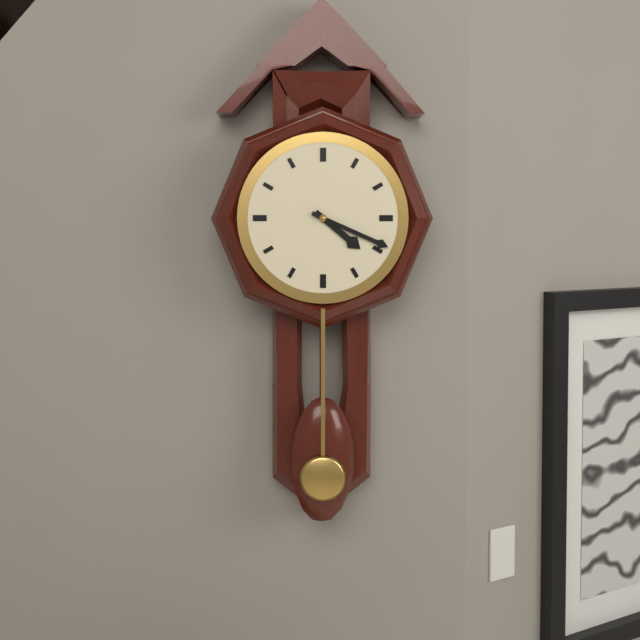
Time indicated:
{"hour": 4, "minute": 19}
